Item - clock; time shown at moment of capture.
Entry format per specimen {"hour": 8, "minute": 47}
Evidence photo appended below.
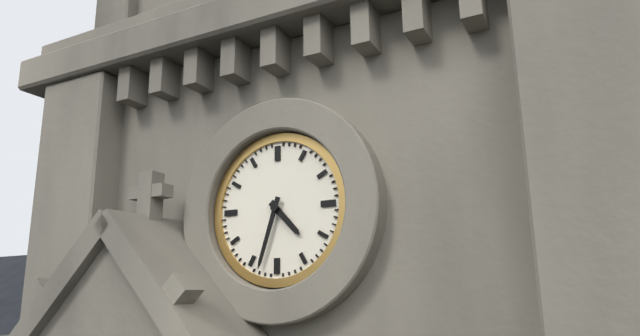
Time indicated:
{"hour": 4, "minute": 33}
